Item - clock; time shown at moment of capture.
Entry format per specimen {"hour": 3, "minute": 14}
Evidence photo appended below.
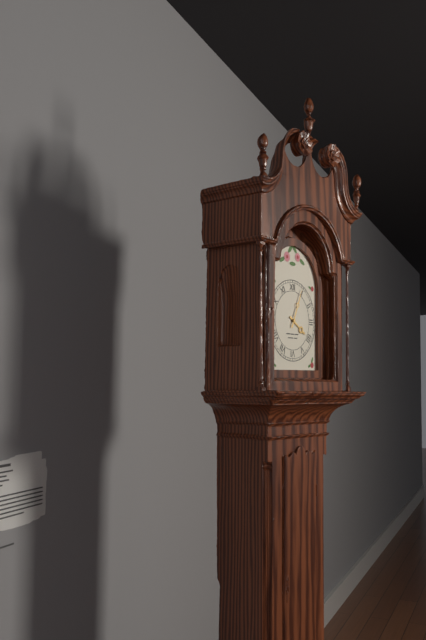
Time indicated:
{"hour": 4, "minute": 4}
